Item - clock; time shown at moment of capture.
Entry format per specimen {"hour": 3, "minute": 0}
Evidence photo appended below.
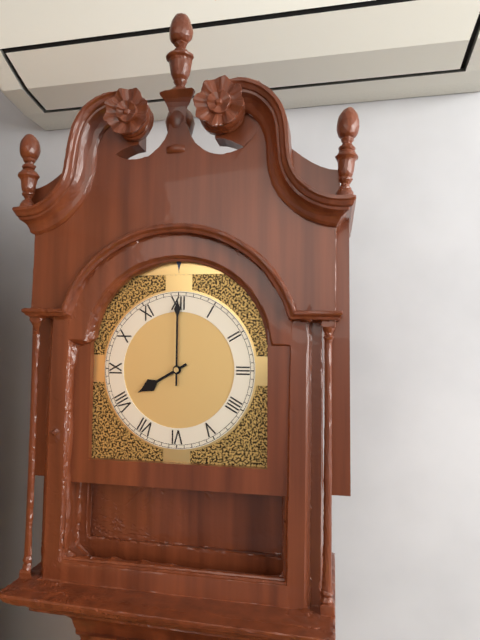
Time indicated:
{"hour": 8, "minute": 0}
